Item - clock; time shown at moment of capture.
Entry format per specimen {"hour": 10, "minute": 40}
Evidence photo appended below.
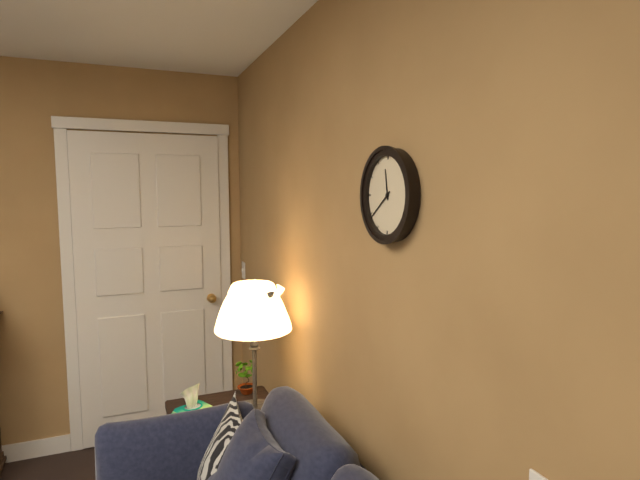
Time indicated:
{"hour": 11, "minute": 39}
